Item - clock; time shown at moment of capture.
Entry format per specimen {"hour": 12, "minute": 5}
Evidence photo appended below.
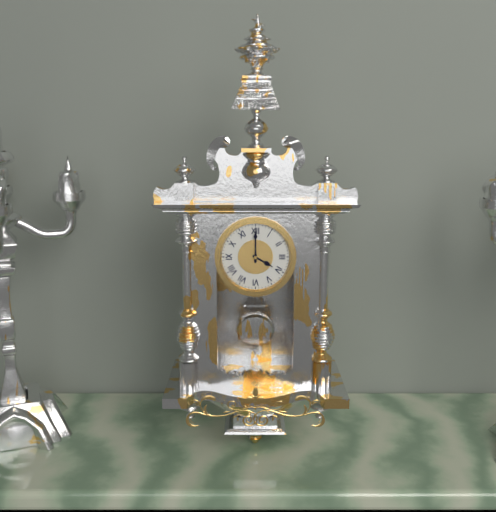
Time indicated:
{"hour": 4, "minute": 0}
